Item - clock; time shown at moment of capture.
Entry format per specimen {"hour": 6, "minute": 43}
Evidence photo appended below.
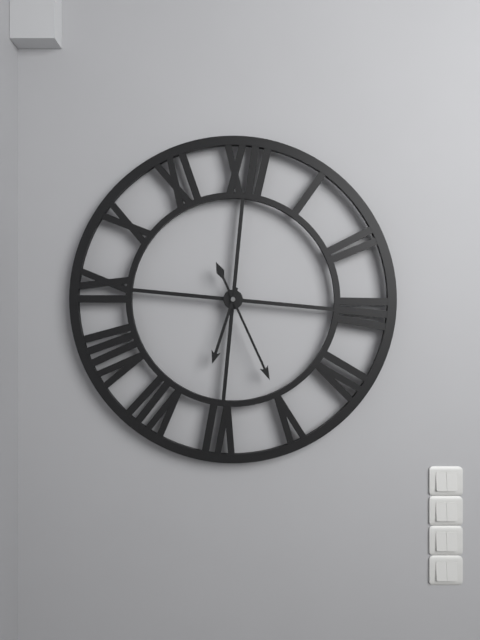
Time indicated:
{"hour": 6, "minute": 25}
